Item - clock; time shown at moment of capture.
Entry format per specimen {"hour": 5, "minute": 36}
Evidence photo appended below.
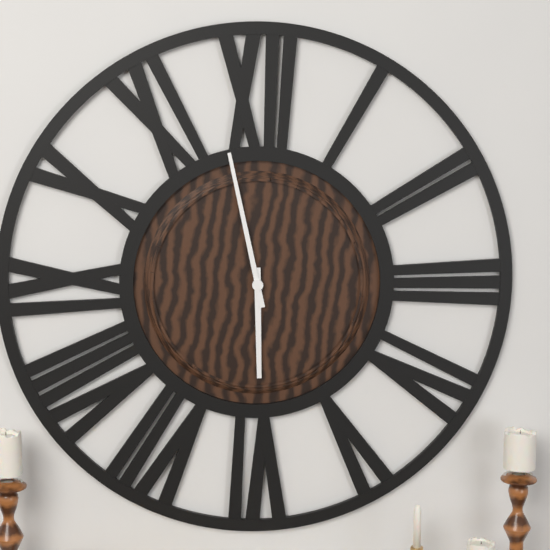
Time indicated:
{"hour": 5, "minute": 58}
